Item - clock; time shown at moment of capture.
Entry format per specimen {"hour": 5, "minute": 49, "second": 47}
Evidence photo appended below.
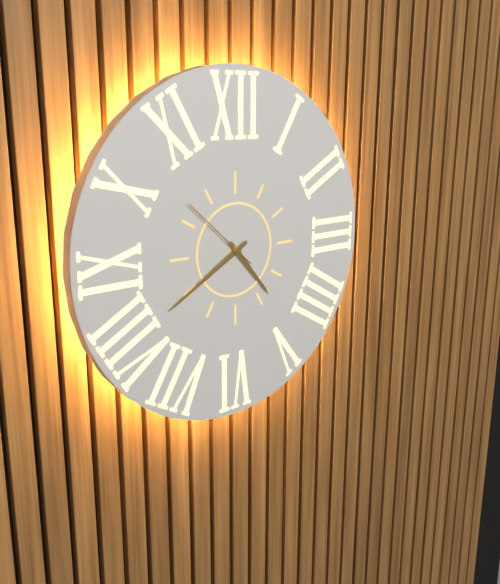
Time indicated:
{"hour": 4, "minute": 40, "second": 52}
